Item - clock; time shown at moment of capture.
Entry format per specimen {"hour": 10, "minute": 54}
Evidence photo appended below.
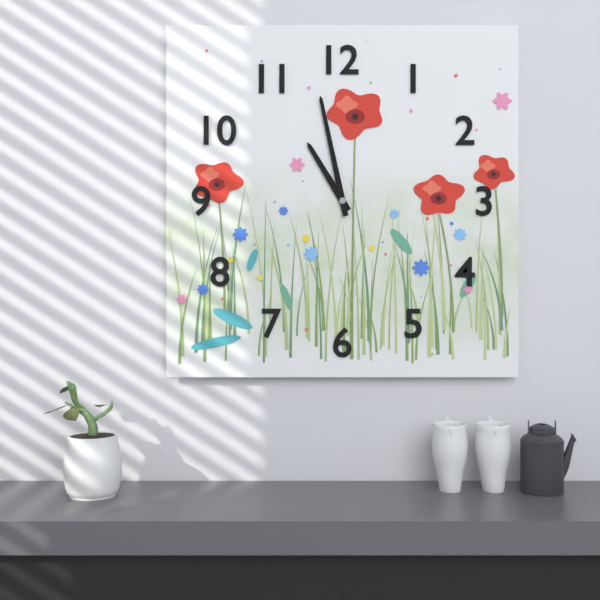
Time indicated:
{"hour": 10, "minute": 58}
